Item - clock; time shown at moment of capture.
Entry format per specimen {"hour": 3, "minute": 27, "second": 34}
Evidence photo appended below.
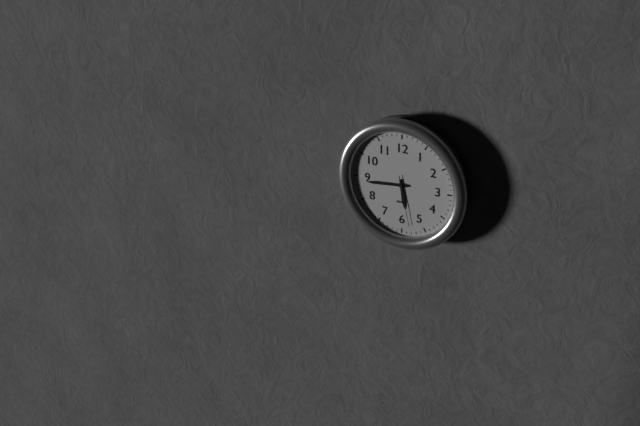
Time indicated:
{"hour": 5, "minute": 44, "second": 28}
